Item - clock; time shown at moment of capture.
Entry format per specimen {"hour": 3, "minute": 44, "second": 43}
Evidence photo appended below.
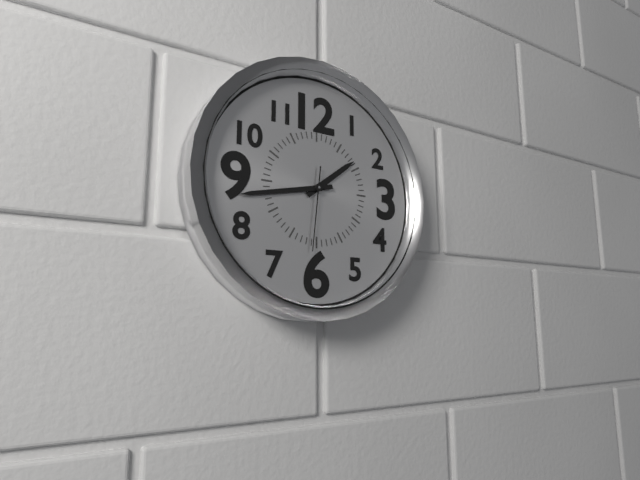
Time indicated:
{"hour": 1, "minute": 43, "second": 31}
